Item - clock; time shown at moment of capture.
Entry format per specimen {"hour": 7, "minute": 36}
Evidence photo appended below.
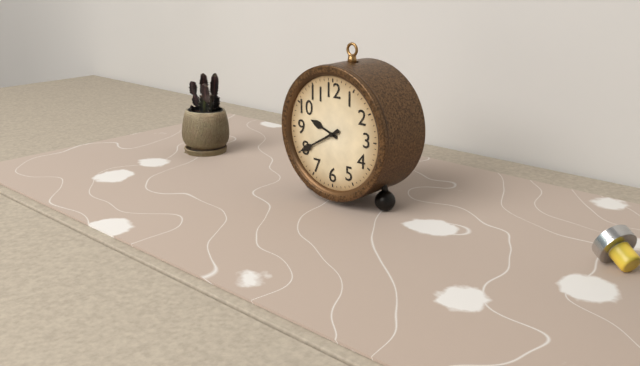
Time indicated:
{"hour": 9, "minute": 40}
